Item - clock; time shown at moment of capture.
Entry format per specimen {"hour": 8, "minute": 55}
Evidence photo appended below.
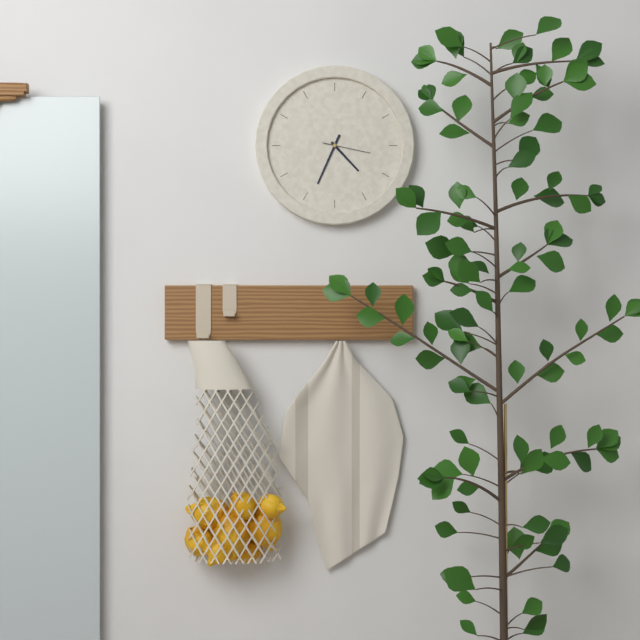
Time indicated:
{"hour": 4, "minute": 34}
